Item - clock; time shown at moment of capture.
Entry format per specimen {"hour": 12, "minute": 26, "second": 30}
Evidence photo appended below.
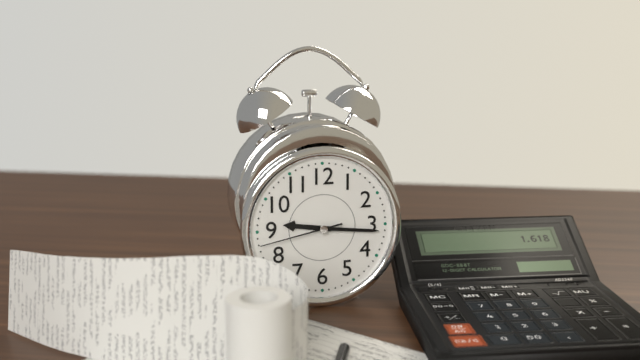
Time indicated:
{"hour": 9, "minute": 16, "second": 43}
